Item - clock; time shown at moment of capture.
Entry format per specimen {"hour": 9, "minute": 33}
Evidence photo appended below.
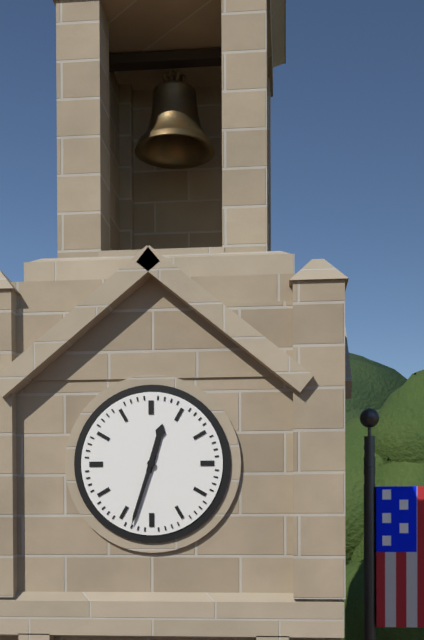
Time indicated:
{"hour": 12, "minute": 33}
